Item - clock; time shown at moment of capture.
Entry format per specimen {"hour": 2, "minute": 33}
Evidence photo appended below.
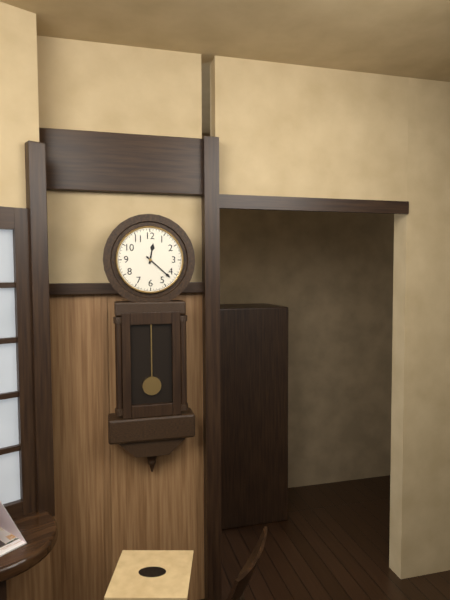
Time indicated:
{"hour": 12, "minute": 22}
